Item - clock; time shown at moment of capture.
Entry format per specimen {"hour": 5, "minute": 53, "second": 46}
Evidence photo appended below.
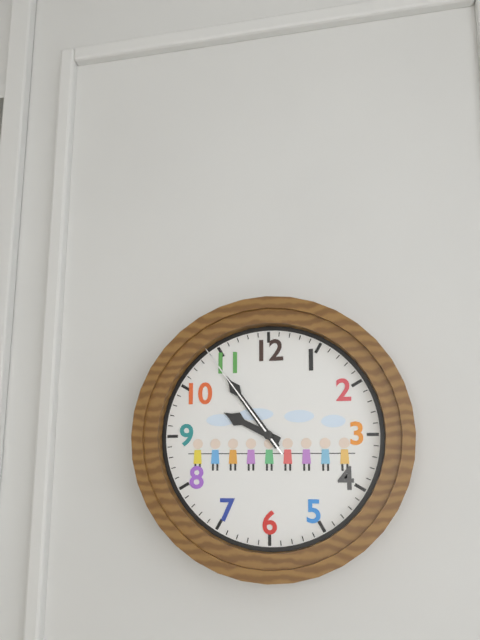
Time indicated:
{"hour": 9, "minute": 54, "second": 54}
